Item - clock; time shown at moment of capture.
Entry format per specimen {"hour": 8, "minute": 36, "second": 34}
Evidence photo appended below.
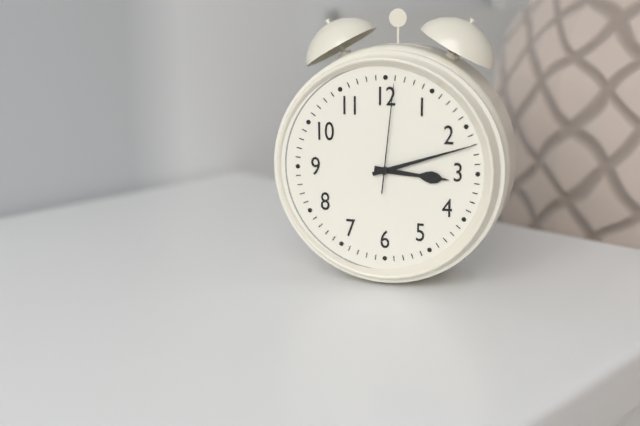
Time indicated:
{"hour": 3, "minute": 12, "second": 1}
